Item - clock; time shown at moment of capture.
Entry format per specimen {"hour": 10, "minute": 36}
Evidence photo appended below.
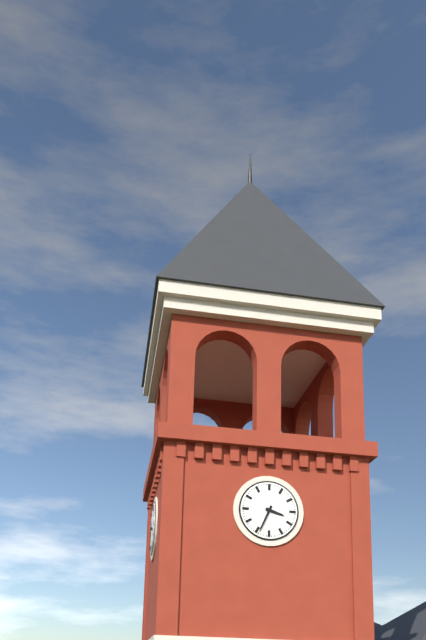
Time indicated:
{"hour": 3, "minute": 34}
